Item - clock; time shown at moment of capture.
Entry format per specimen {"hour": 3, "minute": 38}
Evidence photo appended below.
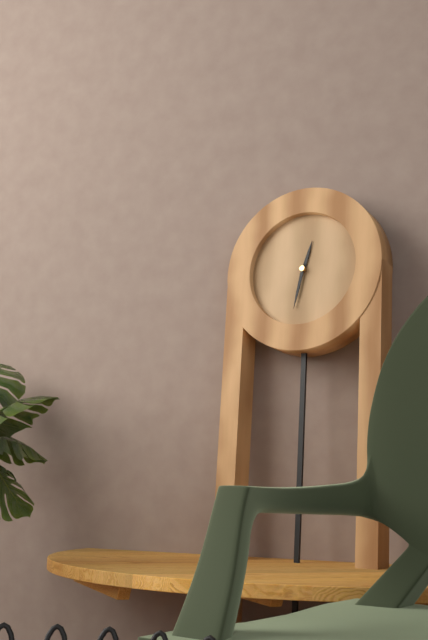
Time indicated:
{"hour": 12, "minute": 32}
